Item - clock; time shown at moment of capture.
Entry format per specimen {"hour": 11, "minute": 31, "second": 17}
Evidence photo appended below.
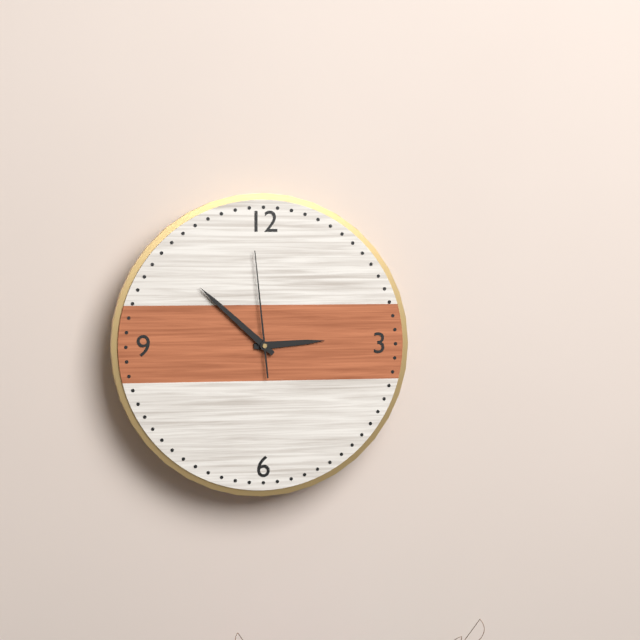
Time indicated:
{"hour": 2, "minute": 52, "second": 59}
